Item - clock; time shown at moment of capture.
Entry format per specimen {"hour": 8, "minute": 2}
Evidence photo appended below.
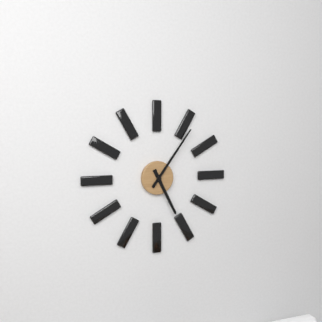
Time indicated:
{"hour": 5, "minute": 6}
